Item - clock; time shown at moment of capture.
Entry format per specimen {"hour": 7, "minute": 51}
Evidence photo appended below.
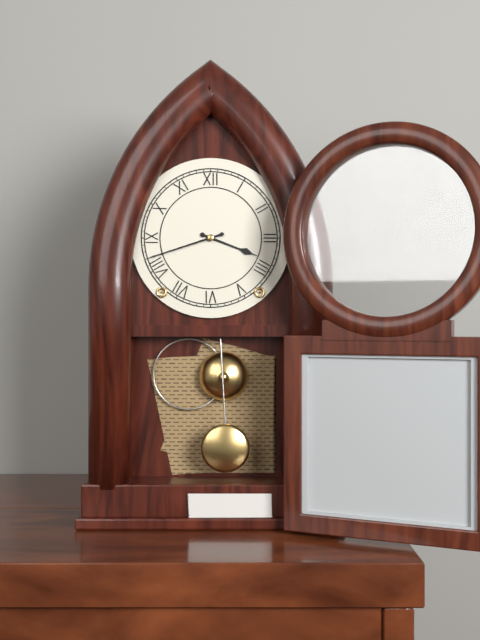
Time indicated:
{"hour": 3, "minute": 42}
